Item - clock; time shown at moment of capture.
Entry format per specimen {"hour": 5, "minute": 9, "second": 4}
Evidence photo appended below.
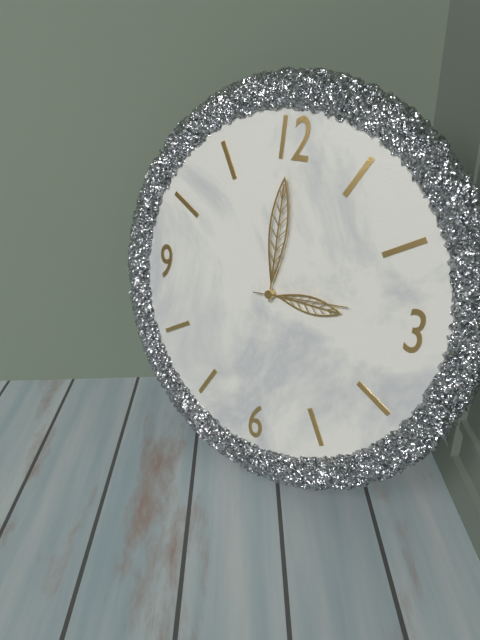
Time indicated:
{"hour": 3, "minute": 0, "second": 14}
